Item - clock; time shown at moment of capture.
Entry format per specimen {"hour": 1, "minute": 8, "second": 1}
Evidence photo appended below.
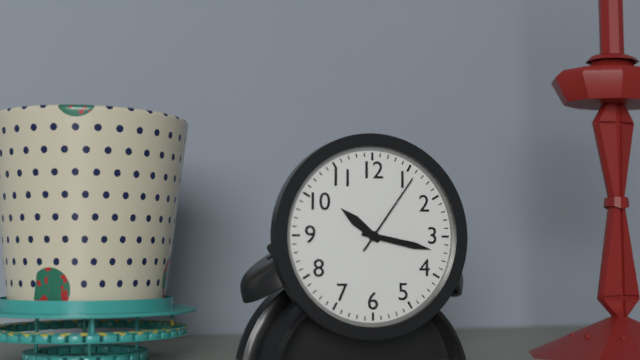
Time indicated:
{"hour": 10, "minute": 17, "second": 6}
